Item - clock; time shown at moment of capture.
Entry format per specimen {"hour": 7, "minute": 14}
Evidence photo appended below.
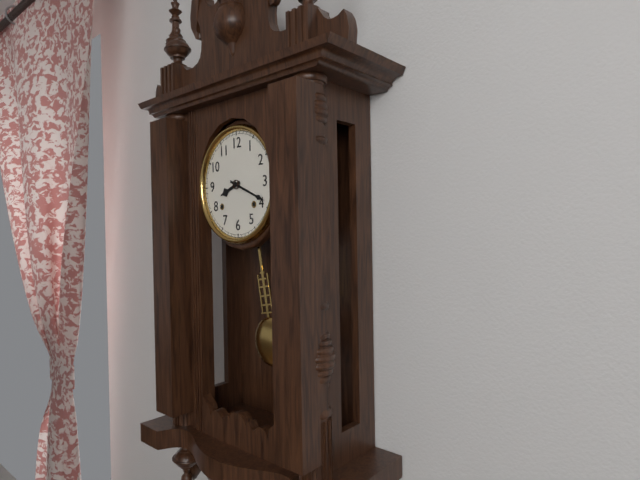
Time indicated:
{"hour": 8, "minute": 19}
